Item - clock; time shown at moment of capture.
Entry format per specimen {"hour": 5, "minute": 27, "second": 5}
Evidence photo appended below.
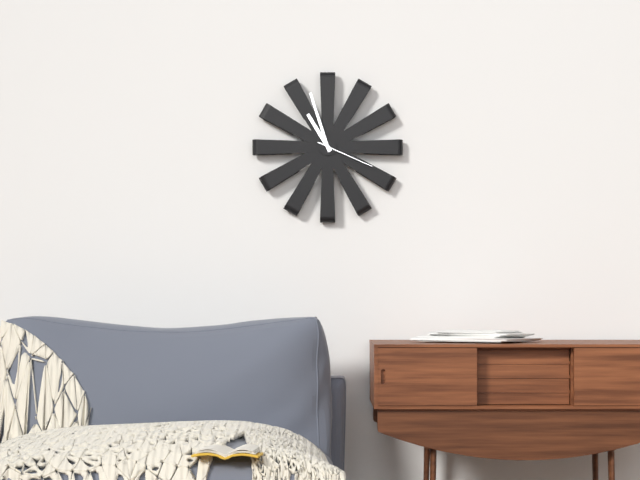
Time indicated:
{"hour": 10, "minute": 57, "second": 19}
